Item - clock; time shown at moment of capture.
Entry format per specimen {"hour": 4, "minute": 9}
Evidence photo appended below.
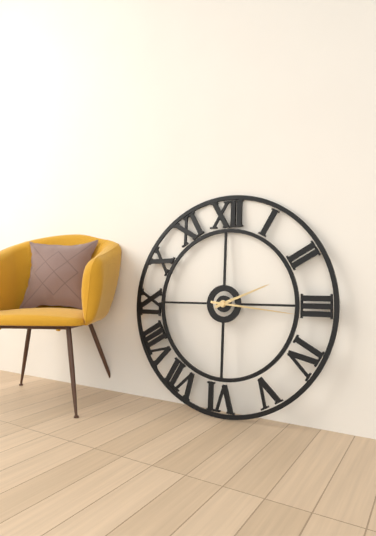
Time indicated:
{"hour": 2, "minute": 16}
